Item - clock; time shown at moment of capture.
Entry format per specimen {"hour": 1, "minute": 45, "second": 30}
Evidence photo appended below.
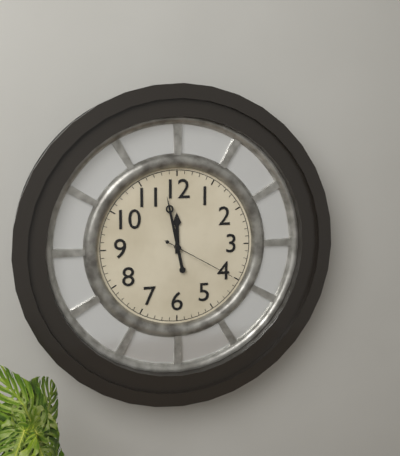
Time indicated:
{"hour": 11, "minute": 58, "second": 20}
